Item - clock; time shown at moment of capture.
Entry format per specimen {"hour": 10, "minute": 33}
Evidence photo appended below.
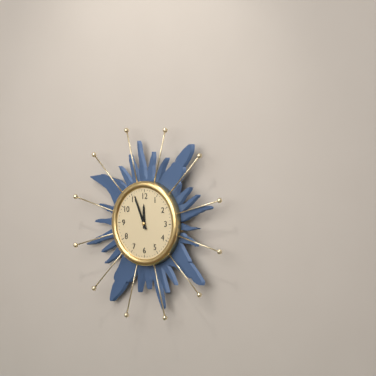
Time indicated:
{"hour": 11, "minute": 56}
